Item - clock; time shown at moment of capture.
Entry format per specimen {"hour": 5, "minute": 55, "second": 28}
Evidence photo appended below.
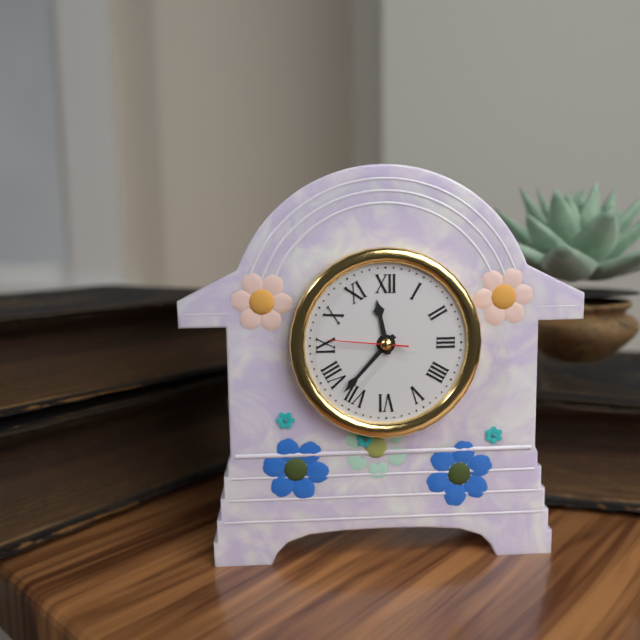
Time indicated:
{"hour": 11, "minute": 37, "second": 46}
